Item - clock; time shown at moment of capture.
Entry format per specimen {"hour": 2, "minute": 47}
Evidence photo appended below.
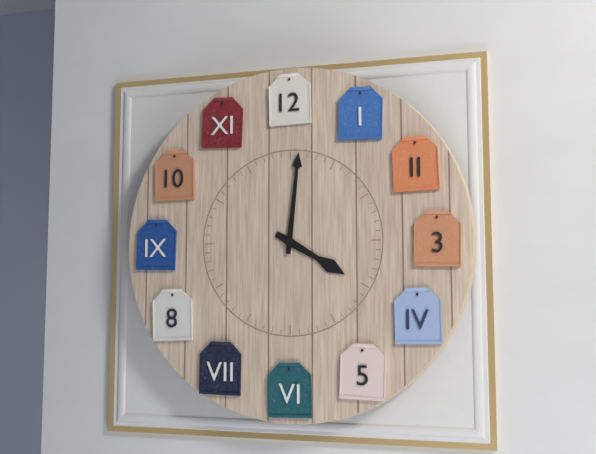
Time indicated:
{"hour": 4, "minute": 1}
